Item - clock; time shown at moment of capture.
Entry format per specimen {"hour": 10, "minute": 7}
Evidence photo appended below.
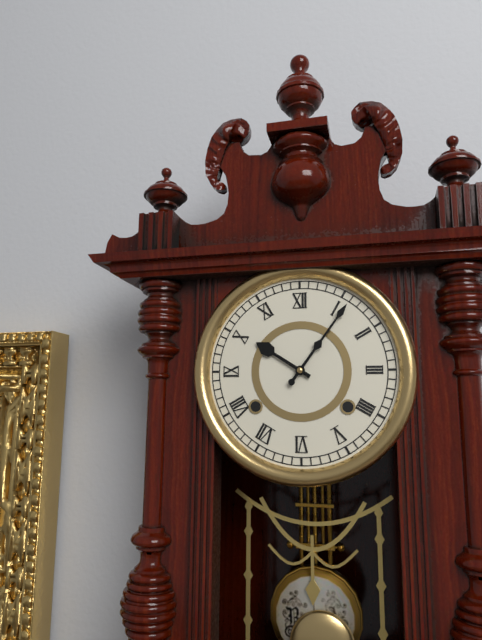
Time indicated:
{"hour": 10, "minute": 6}
